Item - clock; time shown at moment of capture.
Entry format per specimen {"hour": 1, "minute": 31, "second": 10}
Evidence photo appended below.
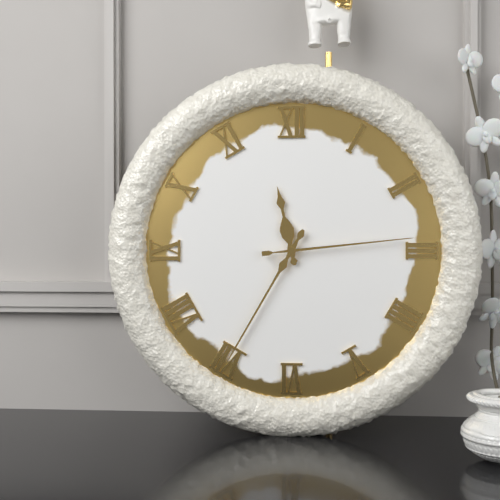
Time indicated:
{"hour": 11, "minute": 35, "second": 14}
